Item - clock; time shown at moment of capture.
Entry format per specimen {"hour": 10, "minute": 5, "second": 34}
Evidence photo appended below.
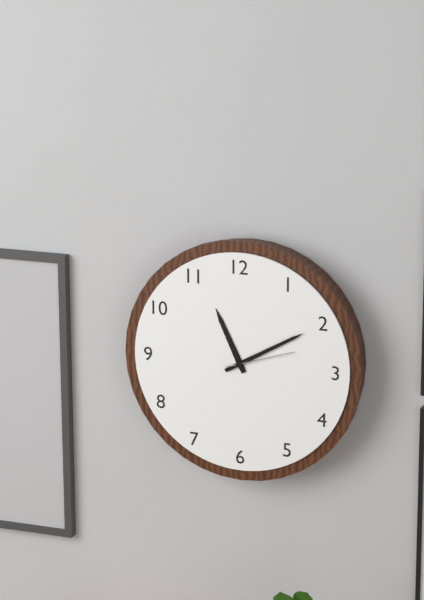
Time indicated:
{"hour": 11, "minute": 10, "second": 12}
